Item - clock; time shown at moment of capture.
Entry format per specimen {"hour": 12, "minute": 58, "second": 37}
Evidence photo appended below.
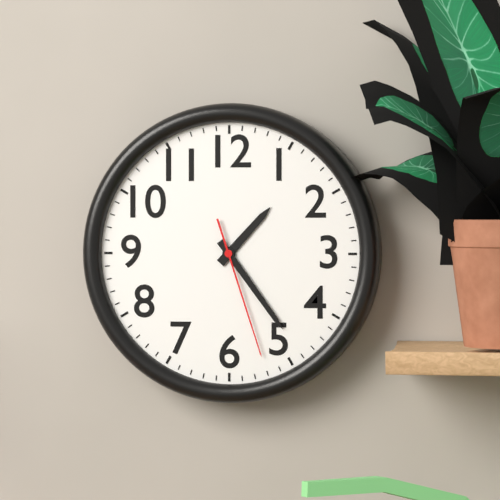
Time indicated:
{"hour": 1, "minute": 24, "second": 27}
